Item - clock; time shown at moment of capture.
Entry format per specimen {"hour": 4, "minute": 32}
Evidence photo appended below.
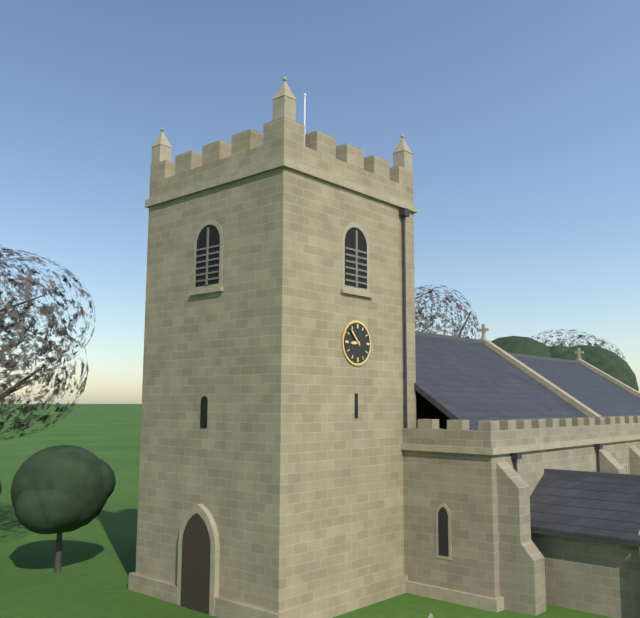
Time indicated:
{"hour": 8, "minute": 53}
